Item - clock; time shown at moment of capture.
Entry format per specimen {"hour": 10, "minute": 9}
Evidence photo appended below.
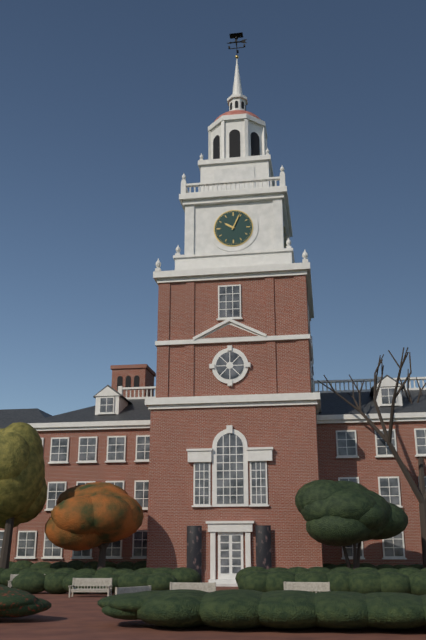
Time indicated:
{"hour": 10, "minute": 4}
